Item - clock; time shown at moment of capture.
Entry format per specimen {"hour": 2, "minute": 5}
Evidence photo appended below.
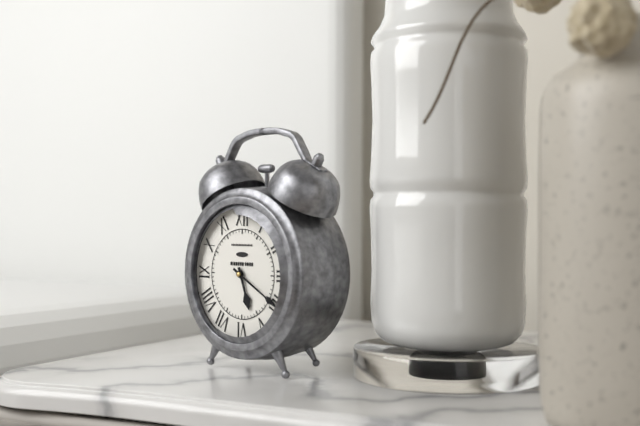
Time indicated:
{"hour": 5, "minute": 20}
